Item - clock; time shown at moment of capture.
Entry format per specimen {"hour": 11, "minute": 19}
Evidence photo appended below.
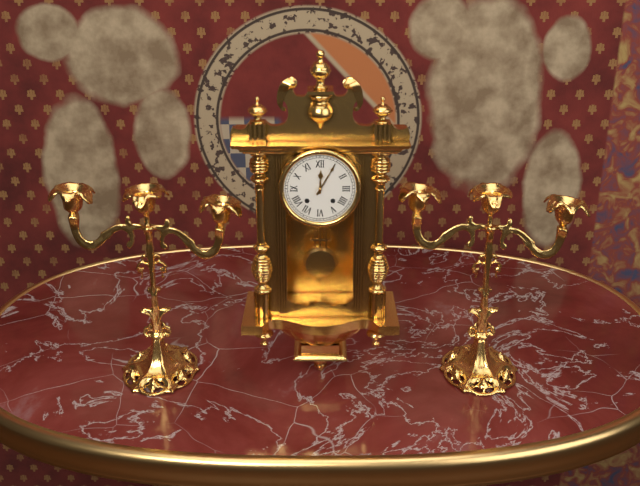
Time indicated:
{"hour": 12, "minute": 5}
